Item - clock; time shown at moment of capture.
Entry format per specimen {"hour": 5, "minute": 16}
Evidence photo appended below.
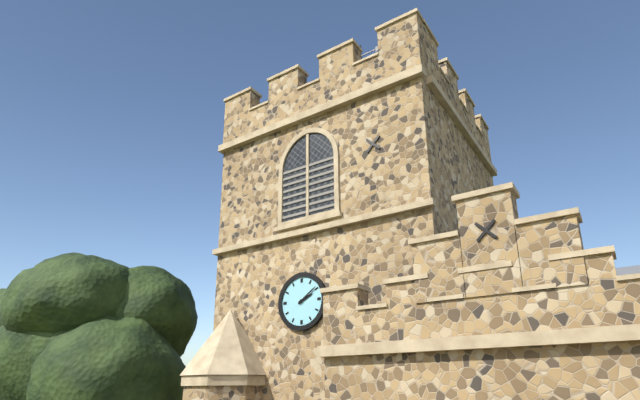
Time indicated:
{"hour": 2, "minute": 9}
